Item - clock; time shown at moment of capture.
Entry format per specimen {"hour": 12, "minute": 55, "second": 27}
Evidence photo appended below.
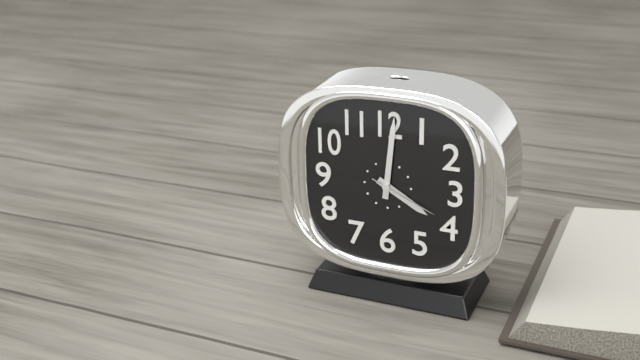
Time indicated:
{"hour": 4, "minute": 1, "second": 19}
